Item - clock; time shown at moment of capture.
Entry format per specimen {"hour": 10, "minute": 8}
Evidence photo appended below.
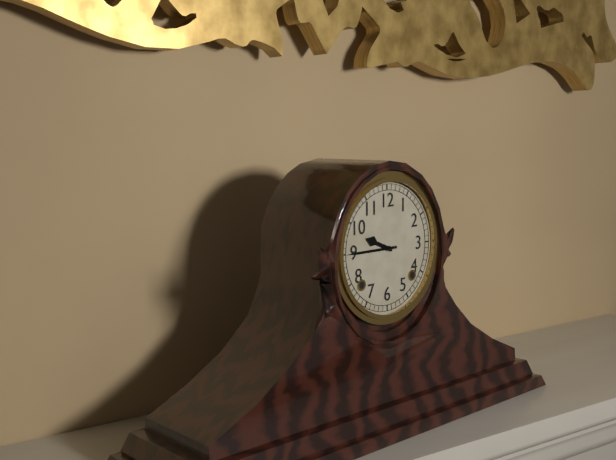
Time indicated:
{"hour": 9, "minute": 45}
